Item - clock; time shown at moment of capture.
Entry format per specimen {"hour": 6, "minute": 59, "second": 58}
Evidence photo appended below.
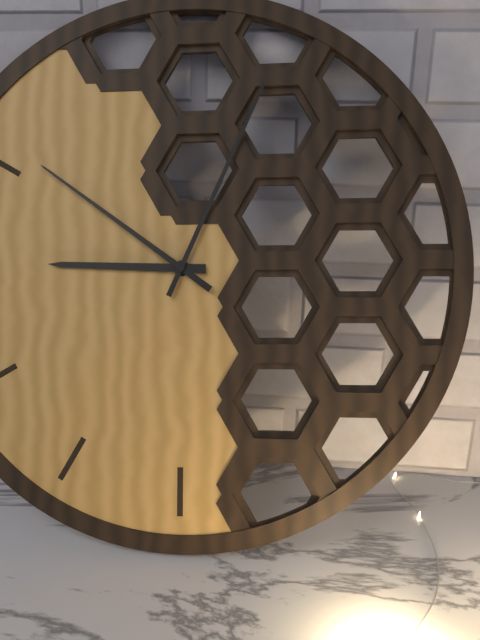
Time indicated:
{"hour": 9, "minute": 4, "second": 51}
